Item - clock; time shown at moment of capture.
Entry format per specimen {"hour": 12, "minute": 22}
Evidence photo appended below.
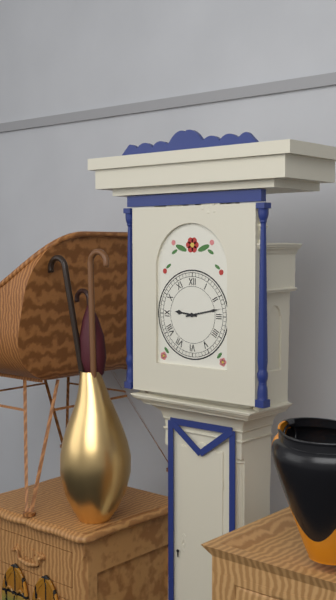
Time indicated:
{"hour": 9, "minute": 13}
